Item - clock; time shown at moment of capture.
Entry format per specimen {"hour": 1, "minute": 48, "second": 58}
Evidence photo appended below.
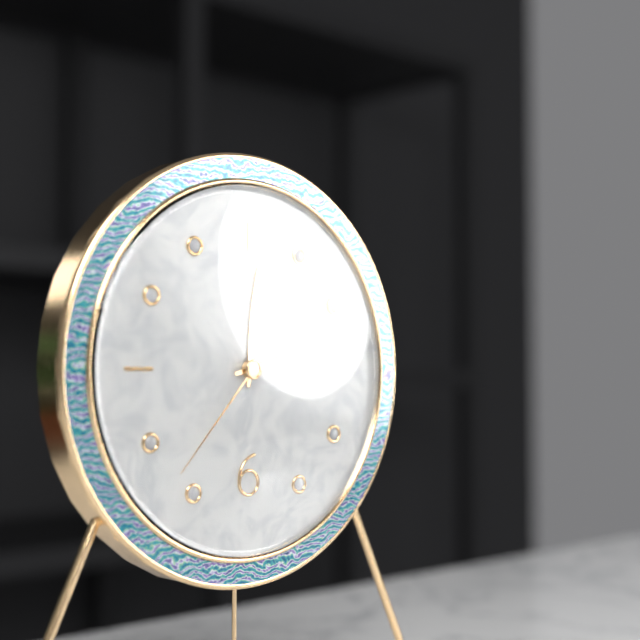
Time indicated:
{"hour": 12, "minute": 13, "second": 37}
